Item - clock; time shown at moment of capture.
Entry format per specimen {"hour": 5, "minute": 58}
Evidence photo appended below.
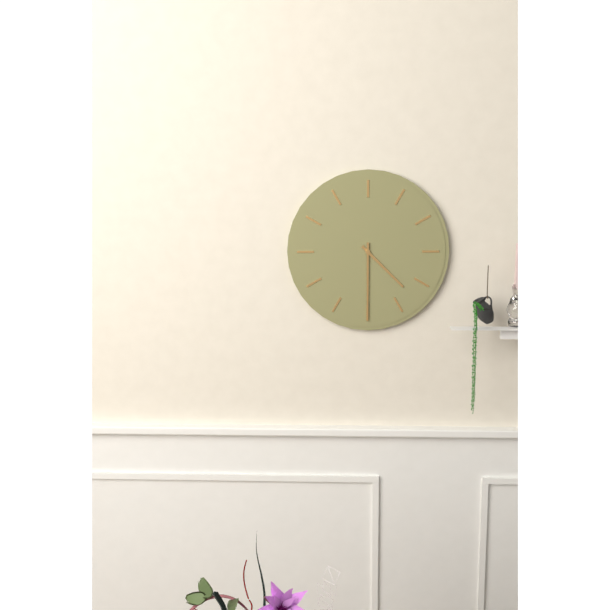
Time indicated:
{"hour": 4, "minute": 30}
